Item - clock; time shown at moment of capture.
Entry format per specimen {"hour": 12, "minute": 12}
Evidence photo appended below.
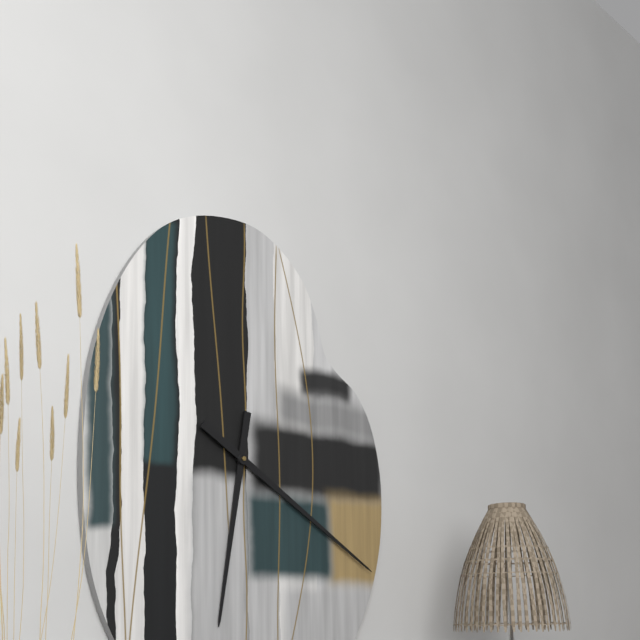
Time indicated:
{"hour": 6, "minute": 20}
